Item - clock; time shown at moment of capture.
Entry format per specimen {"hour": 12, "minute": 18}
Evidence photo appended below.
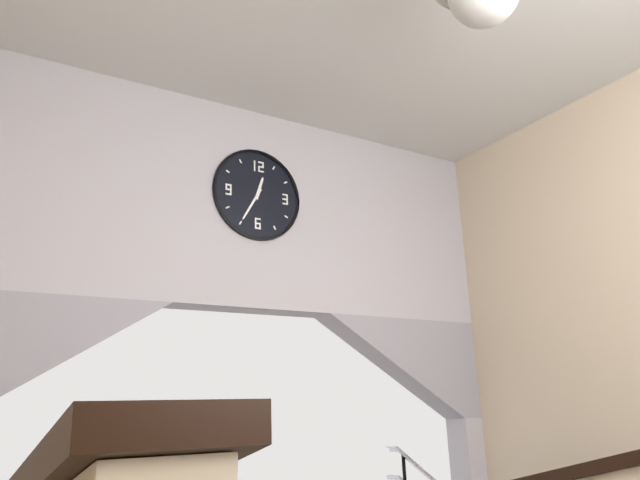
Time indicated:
{"hour": 12, "minute": 35}
